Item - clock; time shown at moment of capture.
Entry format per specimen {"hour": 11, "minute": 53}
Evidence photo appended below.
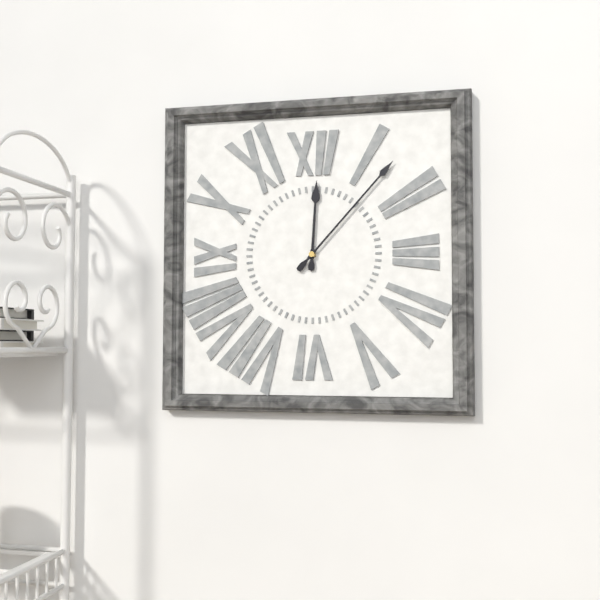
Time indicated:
{"hour": 12, "minute": 7}
